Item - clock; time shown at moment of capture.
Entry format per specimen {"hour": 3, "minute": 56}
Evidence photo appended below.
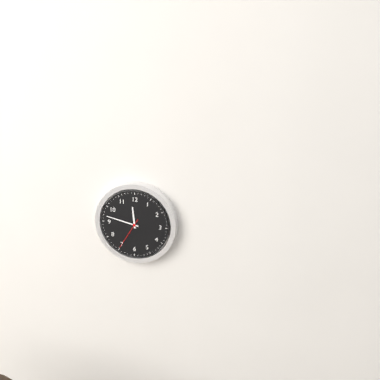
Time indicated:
{"hour": 11, "minute": 47}
